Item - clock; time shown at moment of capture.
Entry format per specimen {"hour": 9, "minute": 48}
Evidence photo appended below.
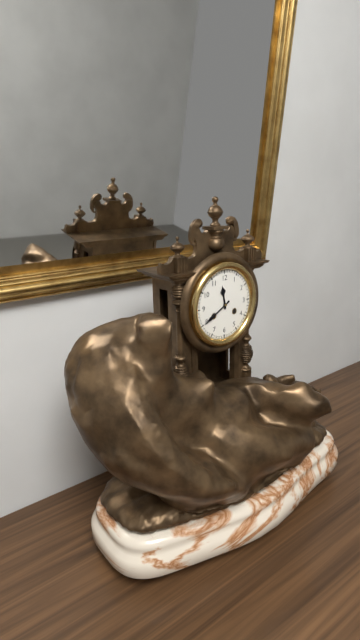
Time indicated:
{"hour": 11, "minute": 40}
